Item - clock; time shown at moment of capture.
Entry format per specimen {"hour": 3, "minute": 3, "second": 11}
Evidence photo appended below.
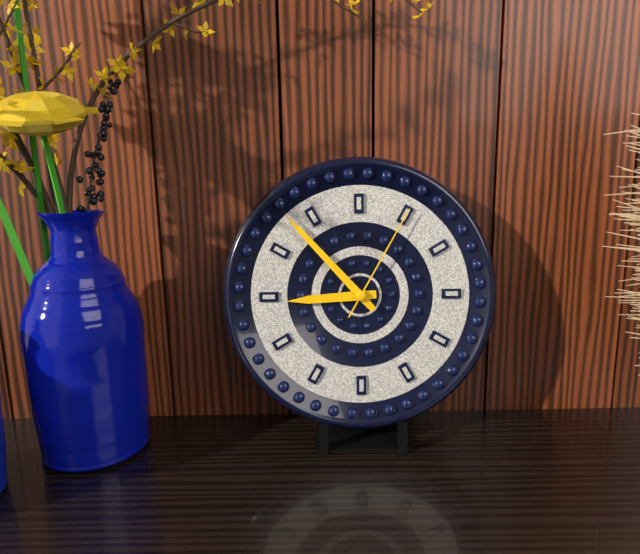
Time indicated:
{"hour": 8, "minute": 53, "second": 5}
